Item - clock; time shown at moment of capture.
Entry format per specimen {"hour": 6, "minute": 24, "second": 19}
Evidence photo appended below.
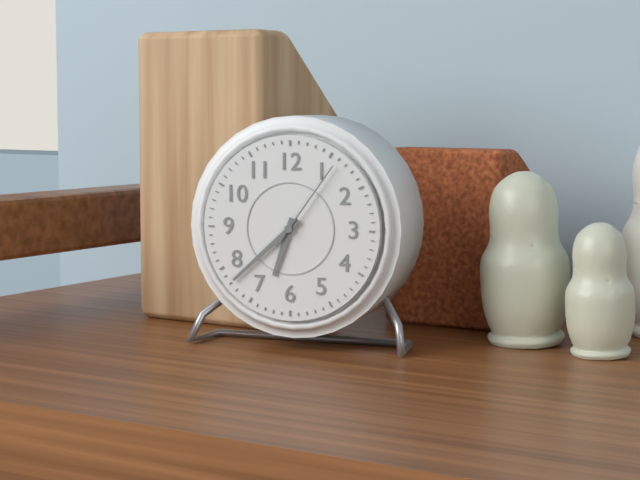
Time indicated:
{"hour": 6, "minute": 38, "second": 6}
